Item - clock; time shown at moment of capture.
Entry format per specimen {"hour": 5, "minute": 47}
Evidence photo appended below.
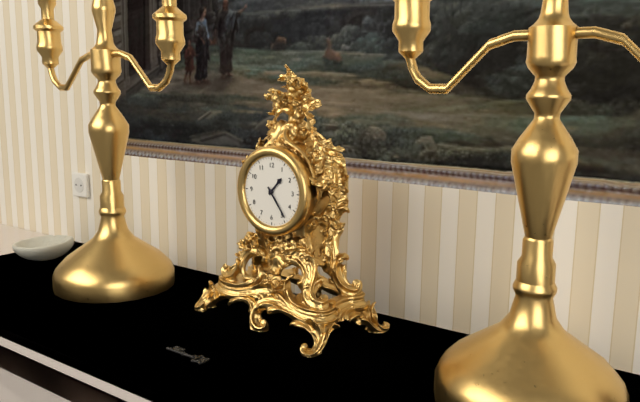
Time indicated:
{"hour": 1, "minute": 24}
